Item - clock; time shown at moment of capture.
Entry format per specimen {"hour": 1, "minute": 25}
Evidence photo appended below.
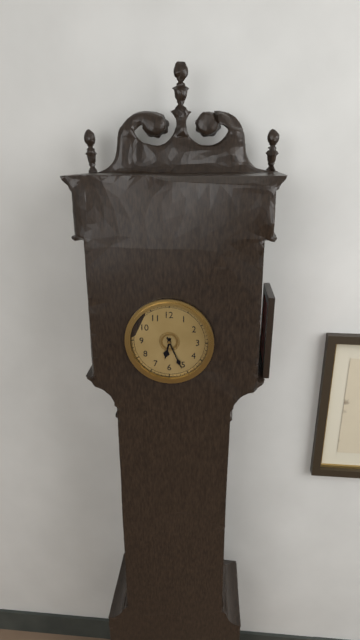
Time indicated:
{"hour": 6, "minute": 26}
